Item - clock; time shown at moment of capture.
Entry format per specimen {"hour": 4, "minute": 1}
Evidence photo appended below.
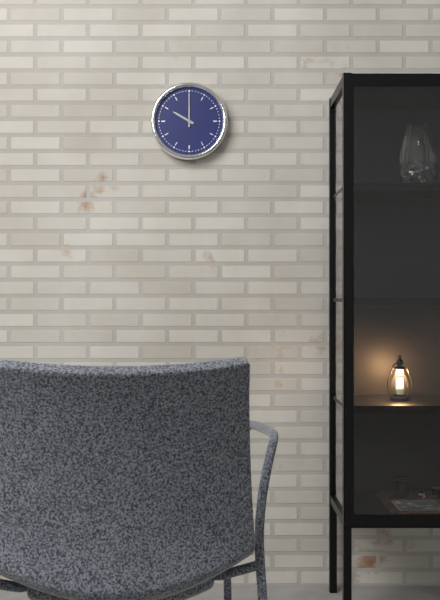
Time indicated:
{"hour": 10, "minute": 0}
